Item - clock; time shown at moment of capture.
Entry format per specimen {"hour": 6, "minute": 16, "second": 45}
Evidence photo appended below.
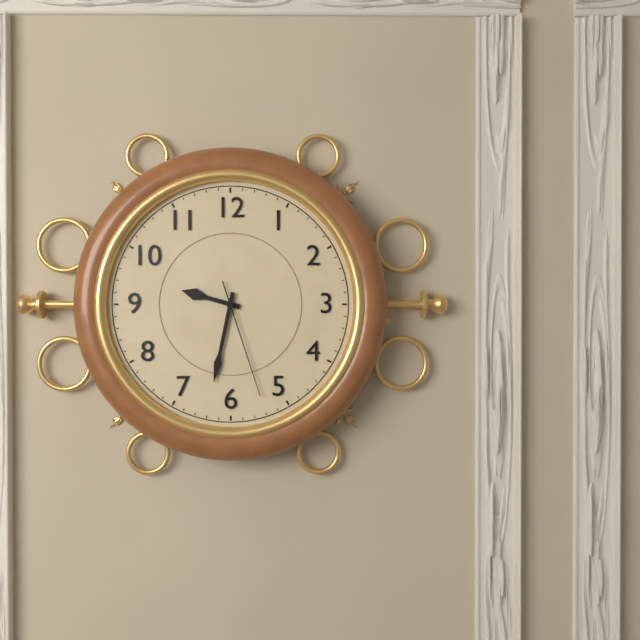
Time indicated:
{"hour": 9, "minute": 32, "second": 27}
